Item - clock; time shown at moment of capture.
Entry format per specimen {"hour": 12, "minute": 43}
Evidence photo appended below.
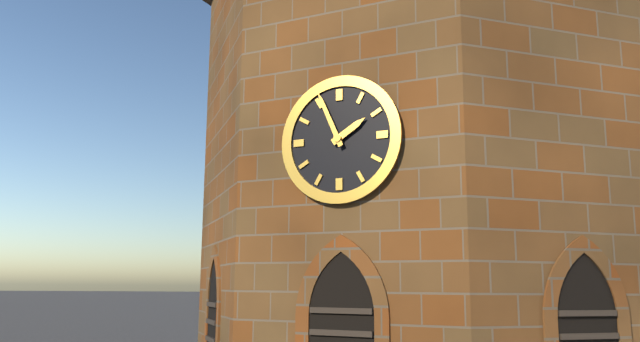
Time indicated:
{"hour": 1, "minute": 56}
